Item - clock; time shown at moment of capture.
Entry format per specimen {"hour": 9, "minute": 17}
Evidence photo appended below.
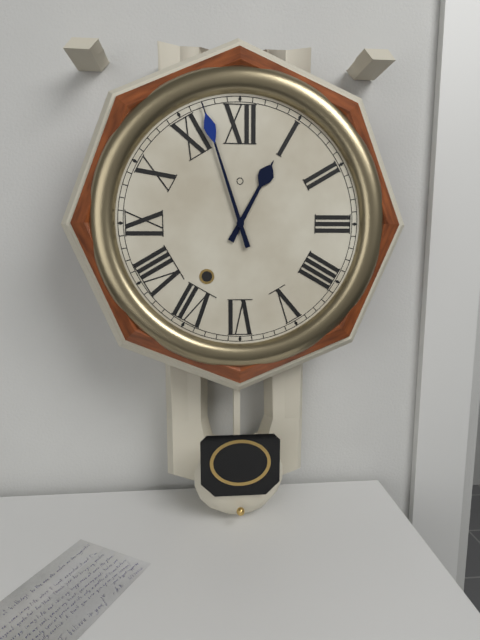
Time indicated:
{"hour": 12, "minute": 57}
